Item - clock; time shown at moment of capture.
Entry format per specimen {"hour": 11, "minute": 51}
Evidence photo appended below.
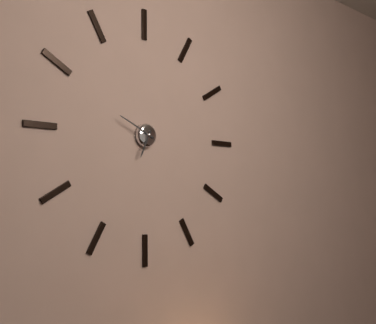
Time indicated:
{"hour": 6, "minute": 49}
